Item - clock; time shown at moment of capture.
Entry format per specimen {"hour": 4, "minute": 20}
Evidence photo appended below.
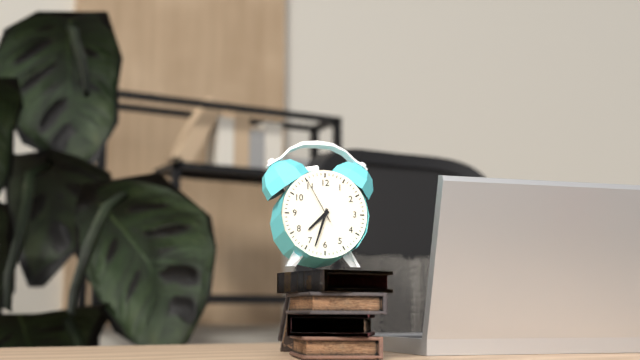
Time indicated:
{"hour": 7, "minute": 33}
